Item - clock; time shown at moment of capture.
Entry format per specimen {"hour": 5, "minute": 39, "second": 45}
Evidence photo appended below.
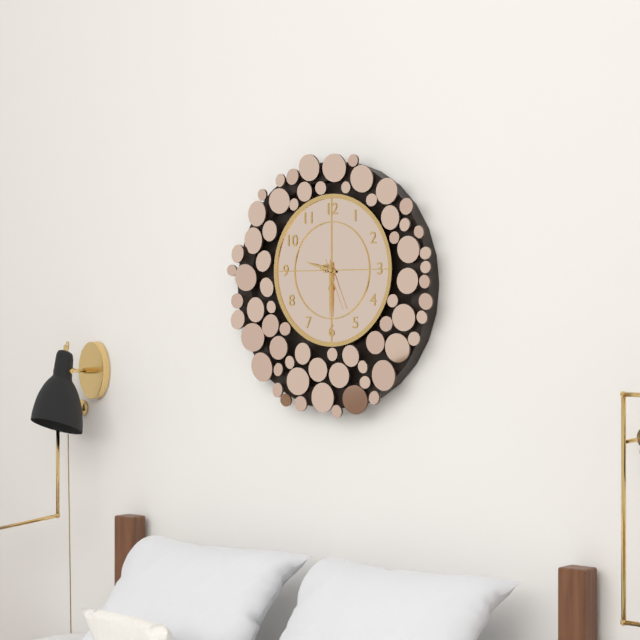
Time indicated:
{"hour": 9, "minute": 30, "second": 26}
